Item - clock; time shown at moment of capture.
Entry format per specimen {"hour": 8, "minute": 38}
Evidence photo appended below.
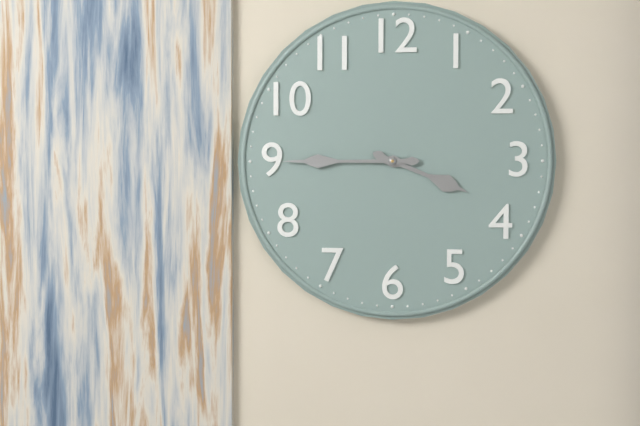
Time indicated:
{"hour": 3, "minute": 45}
